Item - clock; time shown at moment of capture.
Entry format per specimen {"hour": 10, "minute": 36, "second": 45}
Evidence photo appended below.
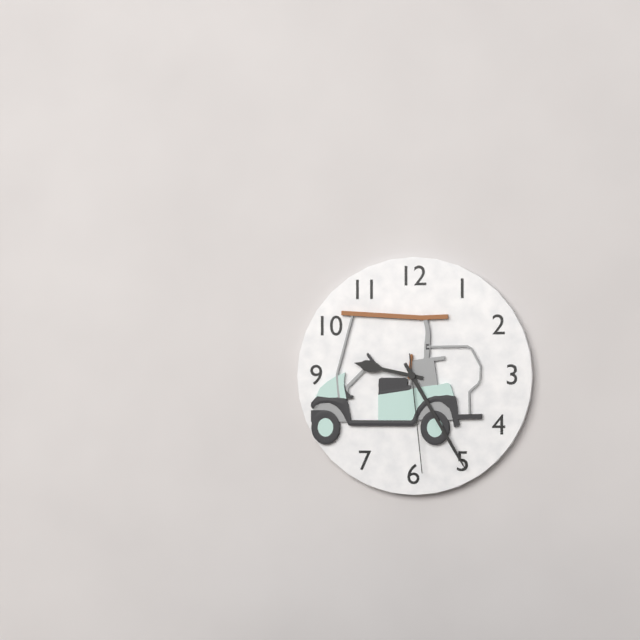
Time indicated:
{"hour": 9, "minute": 25, "second": 29}
